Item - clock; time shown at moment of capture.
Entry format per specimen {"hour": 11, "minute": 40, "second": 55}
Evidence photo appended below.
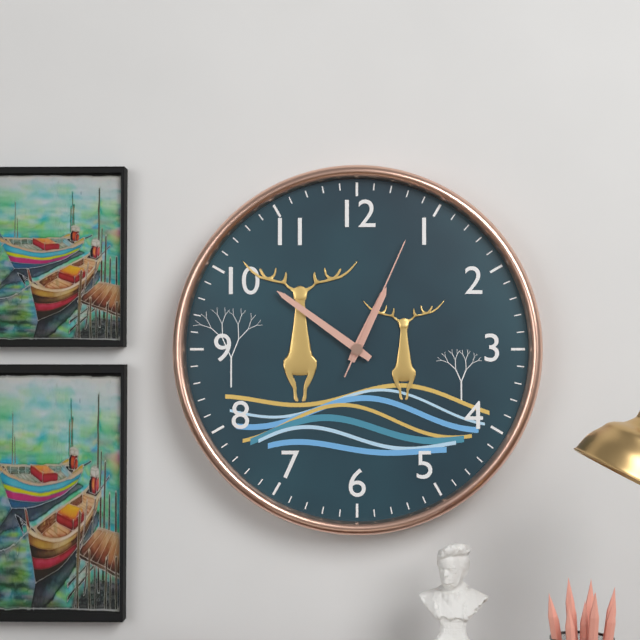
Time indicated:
{"hour": 12, "minute": 51, "second": 4}
